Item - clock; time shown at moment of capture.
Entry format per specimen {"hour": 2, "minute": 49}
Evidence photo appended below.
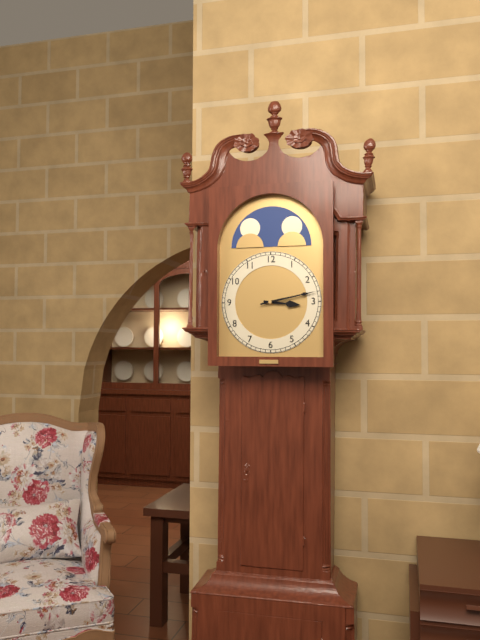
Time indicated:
{"hour": 3, "minute": 13}
